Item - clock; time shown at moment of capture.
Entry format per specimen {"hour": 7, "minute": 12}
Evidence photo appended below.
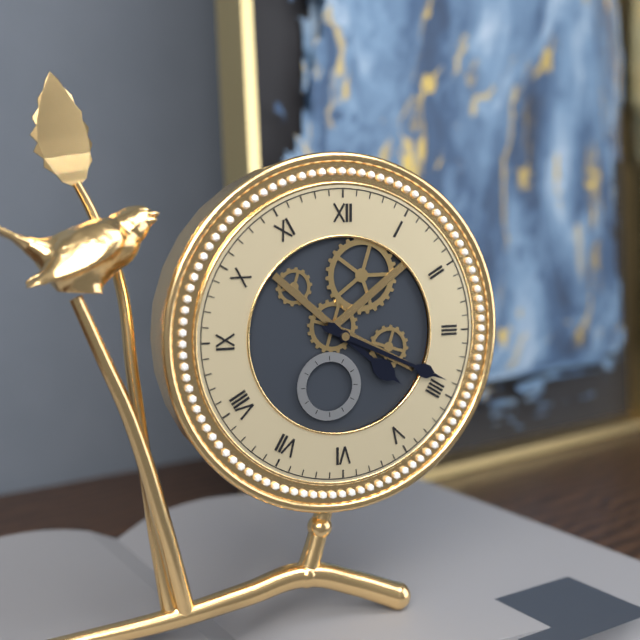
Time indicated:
{"hour": 4, "minute": 19}
